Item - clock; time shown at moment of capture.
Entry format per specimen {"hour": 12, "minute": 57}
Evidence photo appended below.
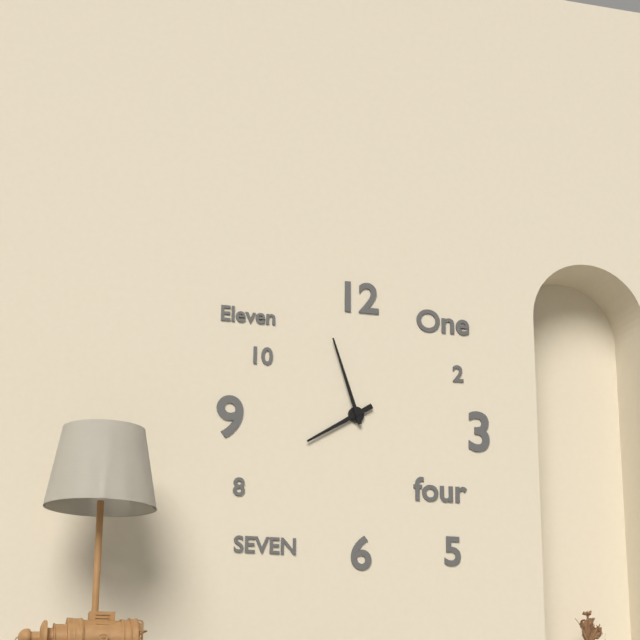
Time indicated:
{"hour": 7, "minute": 57}
